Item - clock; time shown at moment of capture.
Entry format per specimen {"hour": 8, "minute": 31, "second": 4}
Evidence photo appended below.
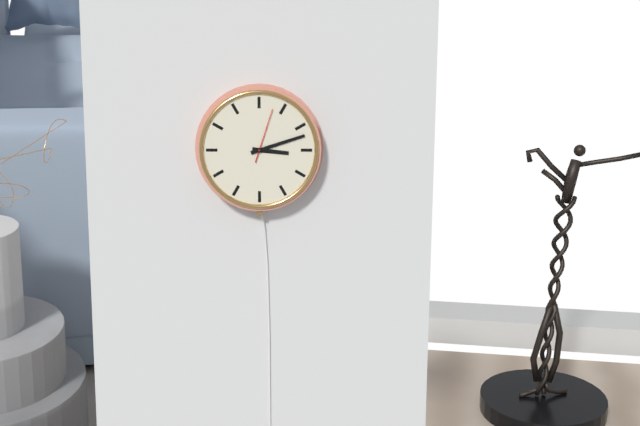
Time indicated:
{"hour": 3, "minute": 12, "second": 3}
